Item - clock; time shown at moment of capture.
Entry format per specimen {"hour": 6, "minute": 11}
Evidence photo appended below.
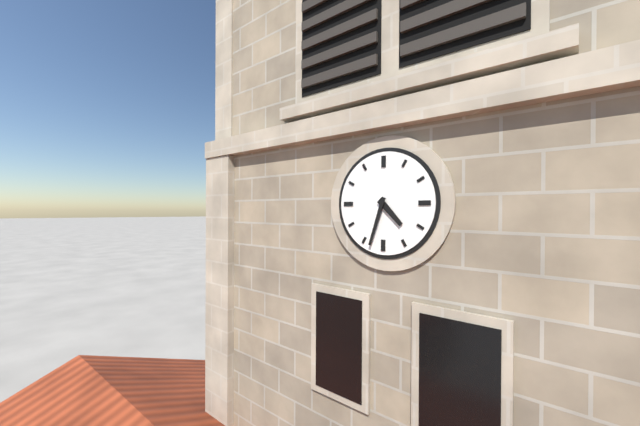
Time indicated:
{"hour": 4, "minute": 33}
